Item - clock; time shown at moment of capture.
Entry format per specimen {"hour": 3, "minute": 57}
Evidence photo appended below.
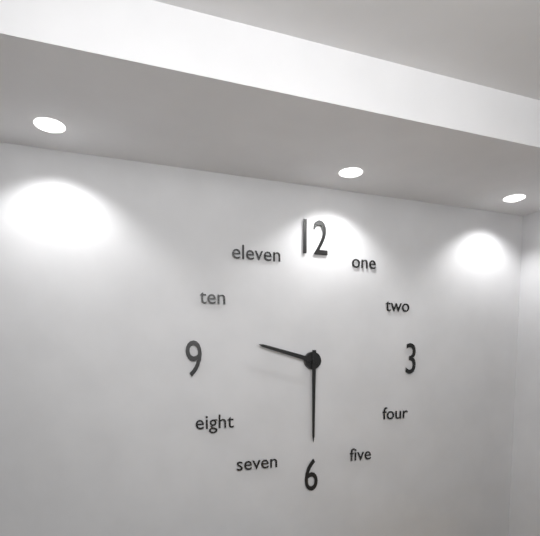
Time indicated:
{"hour": 9, "minute": 30}
